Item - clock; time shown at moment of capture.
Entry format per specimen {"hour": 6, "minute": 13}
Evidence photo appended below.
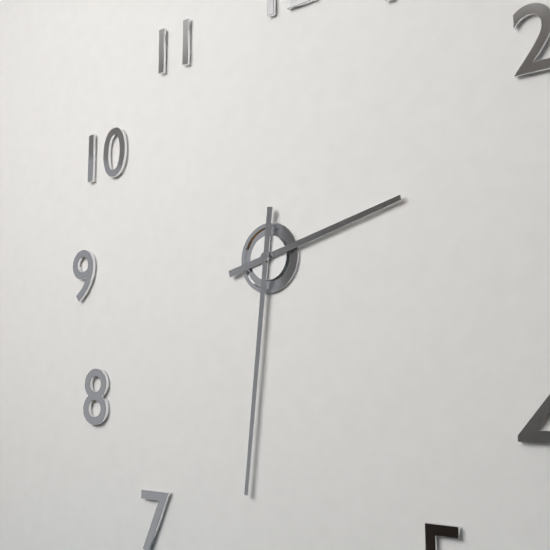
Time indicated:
{"hour": 2, "minute": 31}
